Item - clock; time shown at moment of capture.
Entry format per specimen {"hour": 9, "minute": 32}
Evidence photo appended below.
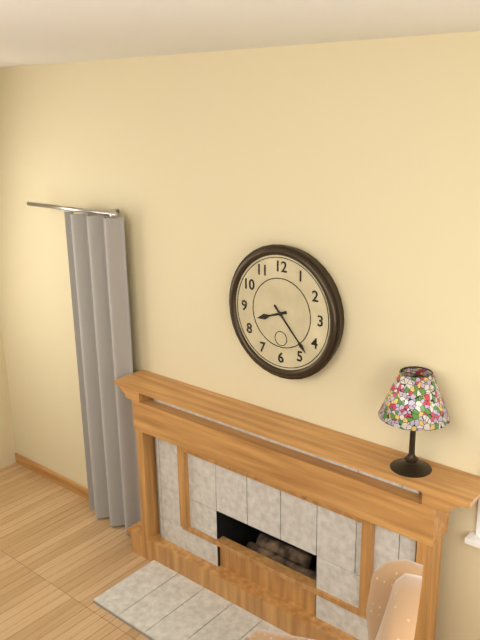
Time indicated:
{"hour": 8, "minute": 23}
